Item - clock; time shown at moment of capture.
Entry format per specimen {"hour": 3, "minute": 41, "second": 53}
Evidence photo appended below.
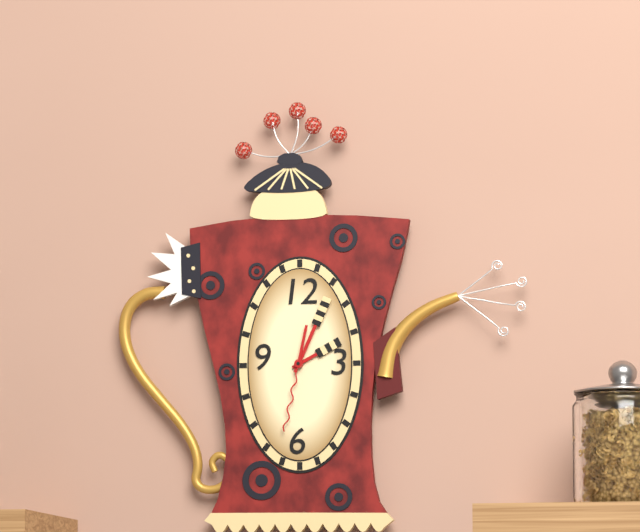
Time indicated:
{"hour": 2, "minute": 4, "second": 32}
